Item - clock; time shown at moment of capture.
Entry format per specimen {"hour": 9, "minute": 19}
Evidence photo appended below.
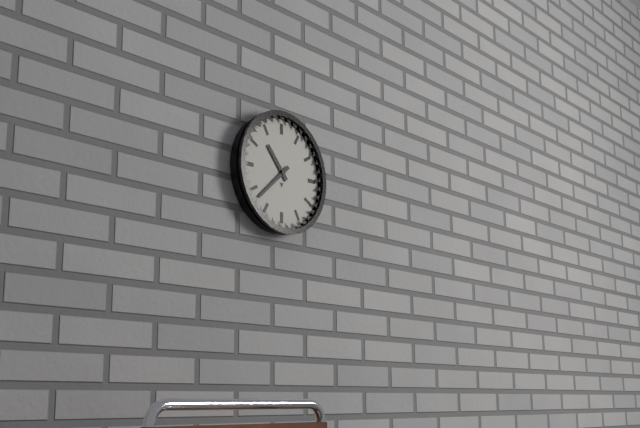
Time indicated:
{"hour": 10, "minute": 38}
